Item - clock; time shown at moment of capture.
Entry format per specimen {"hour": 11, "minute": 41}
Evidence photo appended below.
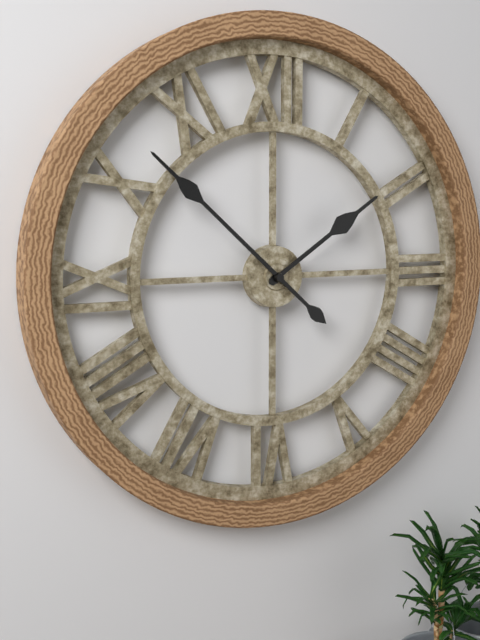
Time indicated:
{"hour": 1, "minute": 52}
